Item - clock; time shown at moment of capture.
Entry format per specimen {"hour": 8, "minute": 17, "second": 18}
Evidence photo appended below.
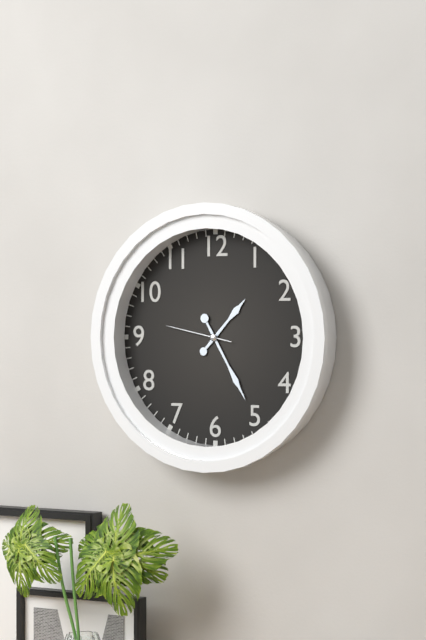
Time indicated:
{"hour": 1, "minute": 25, "second": 47}
